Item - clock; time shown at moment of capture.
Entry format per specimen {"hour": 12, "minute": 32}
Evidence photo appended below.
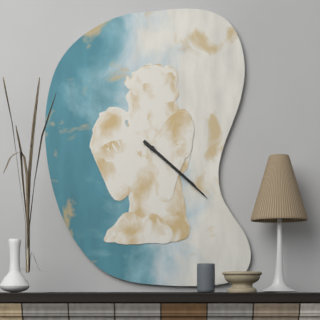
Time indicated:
{"hour": 4, "minute": 22}
